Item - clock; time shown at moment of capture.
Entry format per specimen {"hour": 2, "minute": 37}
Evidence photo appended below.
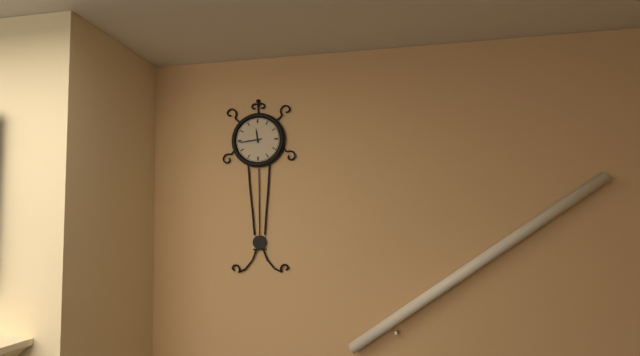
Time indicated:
{"hour": 11, "minute": 44}
